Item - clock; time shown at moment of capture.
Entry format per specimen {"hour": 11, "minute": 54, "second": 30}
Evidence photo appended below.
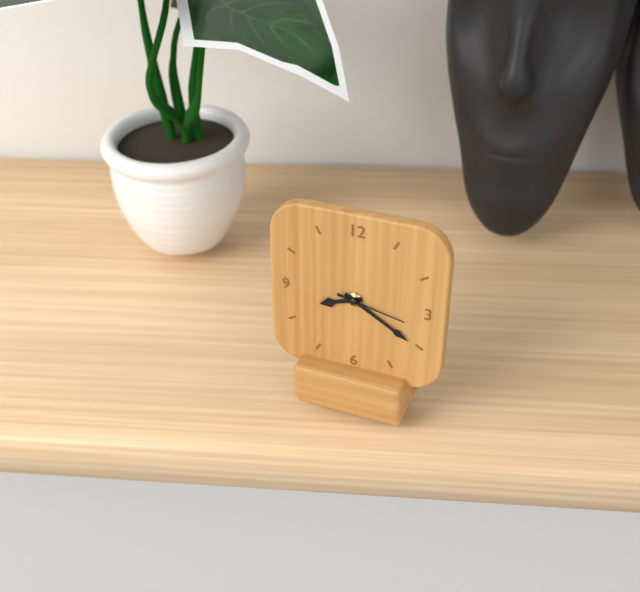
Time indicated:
{"hour": 8, "minute": 20, "second": 17}
